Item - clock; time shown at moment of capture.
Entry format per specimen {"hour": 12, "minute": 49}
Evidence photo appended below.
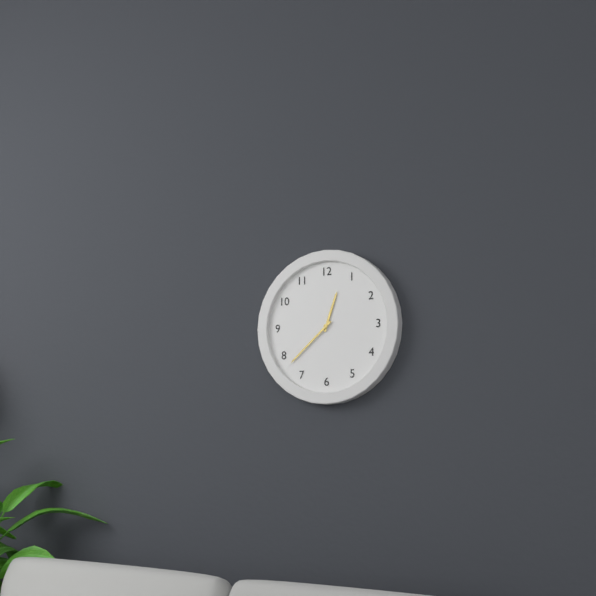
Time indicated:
{"hour": 12, "minute": 38}
